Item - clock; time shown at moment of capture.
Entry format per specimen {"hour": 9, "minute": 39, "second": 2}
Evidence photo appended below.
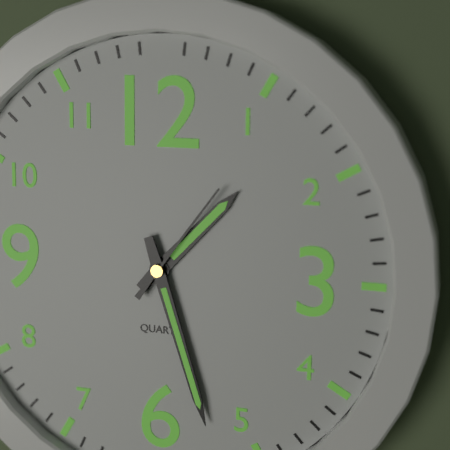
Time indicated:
{"hour": 1, "minute": 27, "second": 6}
